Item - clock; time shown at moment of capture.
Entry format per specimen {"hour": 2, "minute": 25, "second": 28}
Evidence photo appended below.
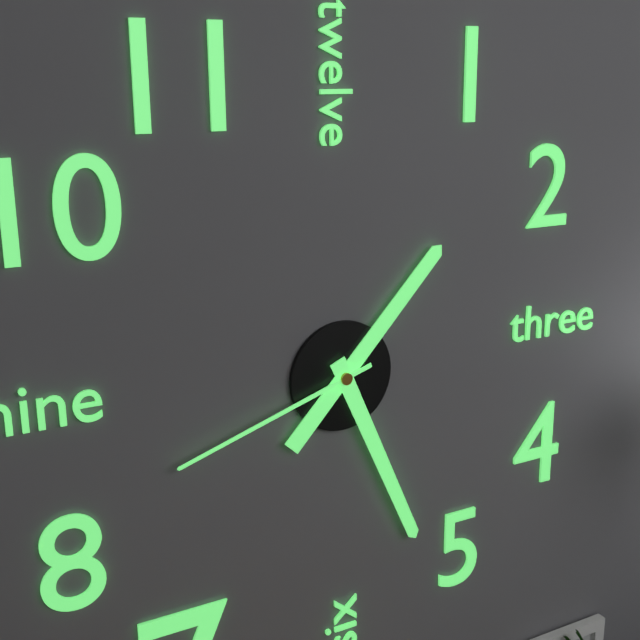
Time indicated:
{"hour": 1, "minute": 26, "second": 42}
